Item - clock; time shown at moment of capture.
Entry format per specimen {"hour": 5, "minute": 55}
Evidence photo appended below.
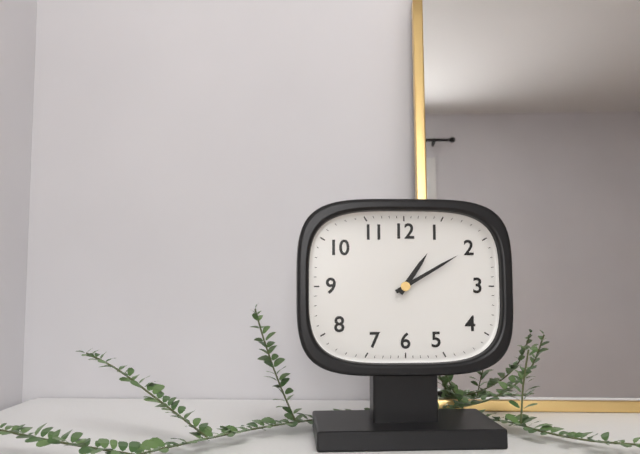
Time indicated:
{"hour": 1, "minute": 10}
